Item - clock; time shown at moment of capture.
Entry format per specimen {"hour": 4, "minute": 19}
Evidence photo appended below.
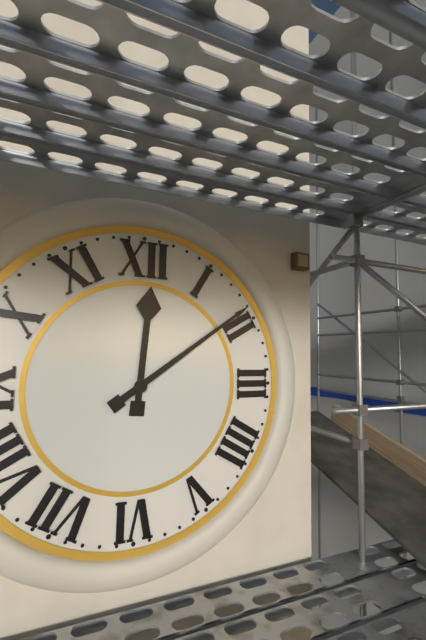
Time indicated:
{"hour": 12, "minute": 9}
